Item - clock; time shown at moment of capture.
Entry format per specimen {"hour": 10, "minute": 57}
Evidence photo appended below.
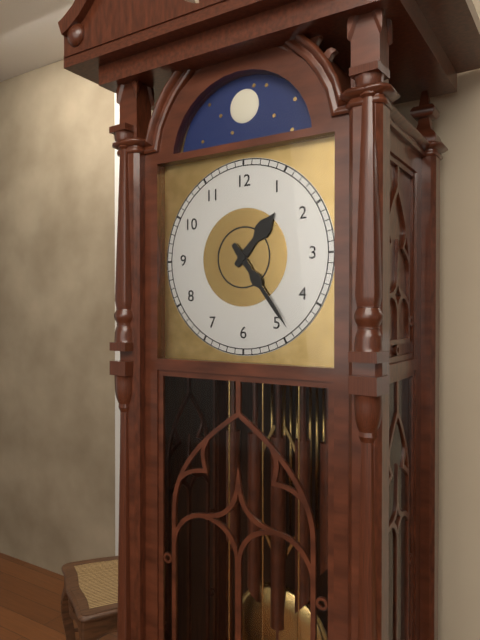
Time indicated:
{"hour": 1, "minute": 24}
